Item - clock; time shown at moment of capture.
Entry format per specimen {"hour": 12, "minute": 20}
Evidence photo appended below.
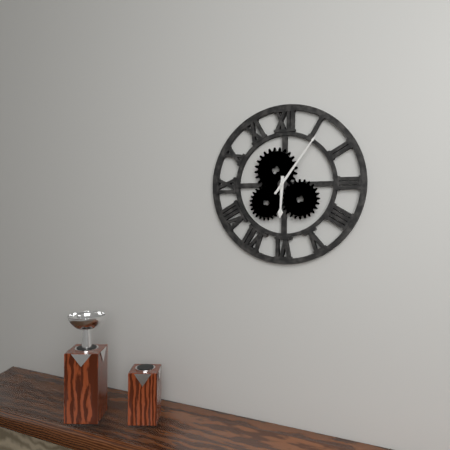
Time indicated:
{"hour": 6, "minute": 6}
